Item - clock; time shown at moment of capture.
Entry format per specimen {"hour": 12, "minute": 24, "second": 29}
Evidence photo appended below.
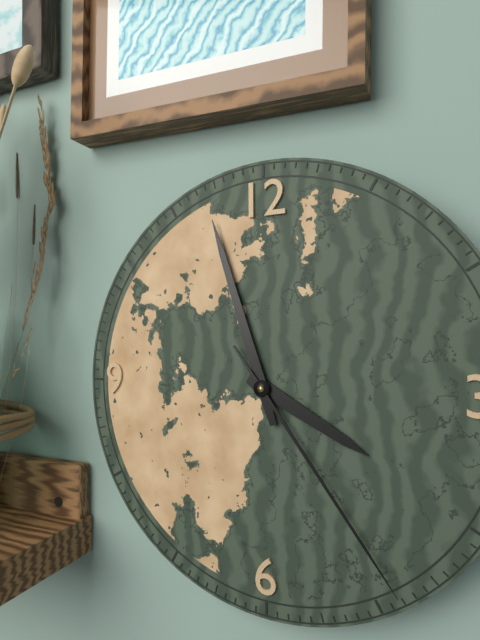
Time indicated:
{"hour": 3, "minute": 57, "second": 24}
